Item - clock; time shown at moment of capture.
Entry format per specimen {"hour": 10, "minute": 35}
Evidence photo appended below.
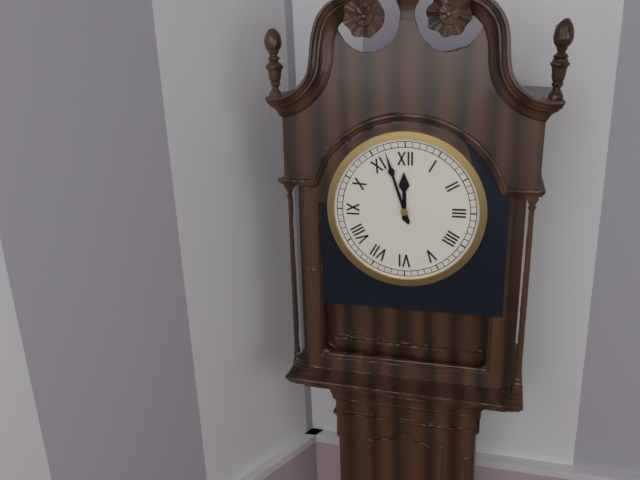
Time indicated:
{"hour": 11, "minute": 57}
